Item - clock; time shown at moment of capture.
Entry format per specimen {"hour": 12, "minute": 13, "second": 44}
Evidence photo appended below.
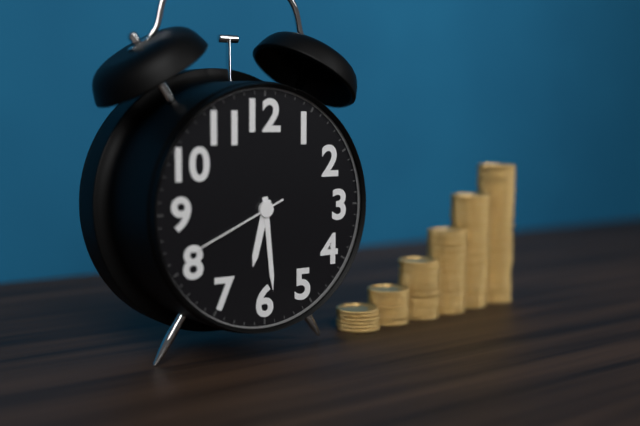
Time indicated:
{"hour": 6, "minute": 29, "second": 41}
